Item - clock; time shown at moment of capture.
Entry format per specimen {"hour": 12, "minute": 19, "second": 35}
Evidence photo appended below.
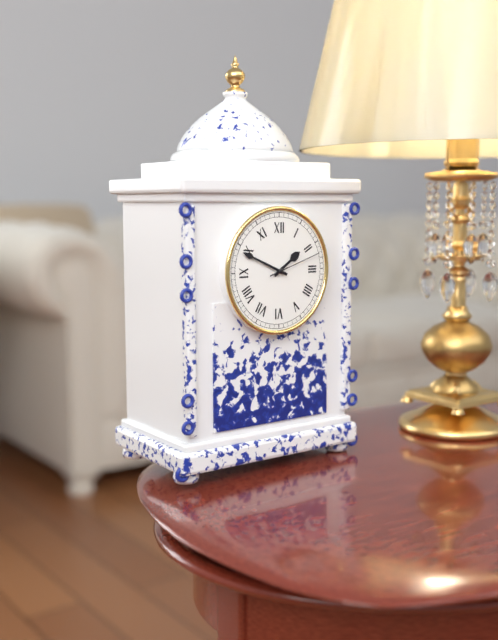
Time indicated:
{"hour": 1, "minute": 49, "second": 12}
